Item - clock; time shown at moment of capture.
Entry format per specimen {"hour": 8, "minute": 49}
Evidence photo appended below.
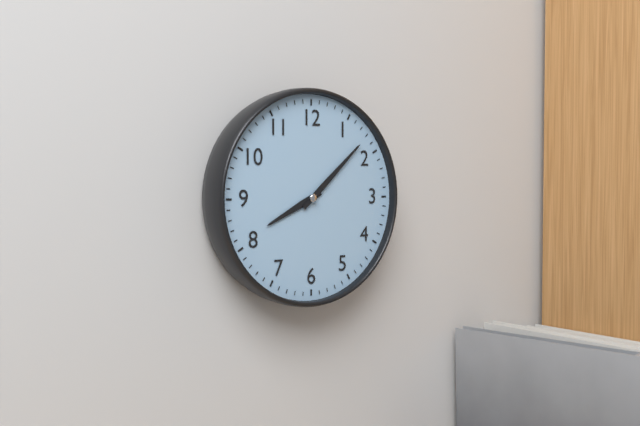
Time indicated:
{"hour": 8, "minute": 8}
